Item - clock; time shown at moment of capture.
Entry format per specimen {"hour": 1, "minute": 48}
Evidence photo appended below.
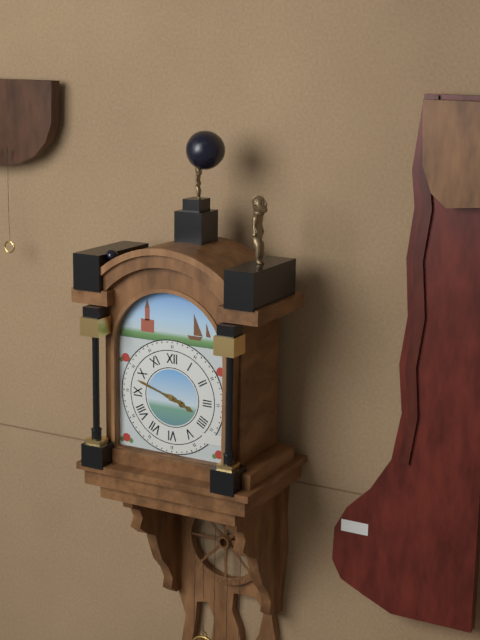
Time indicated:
{"hour": 3, "minute": 48}
